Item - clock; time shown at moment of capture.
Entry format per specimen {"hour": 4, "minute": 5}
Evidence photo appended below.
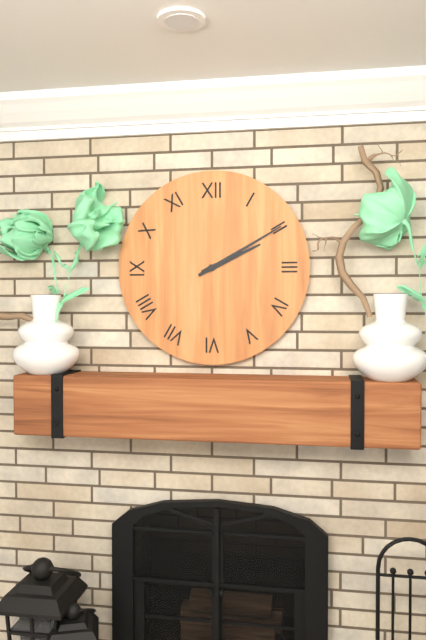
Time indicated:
{"hour": 2, "minute": 10}
